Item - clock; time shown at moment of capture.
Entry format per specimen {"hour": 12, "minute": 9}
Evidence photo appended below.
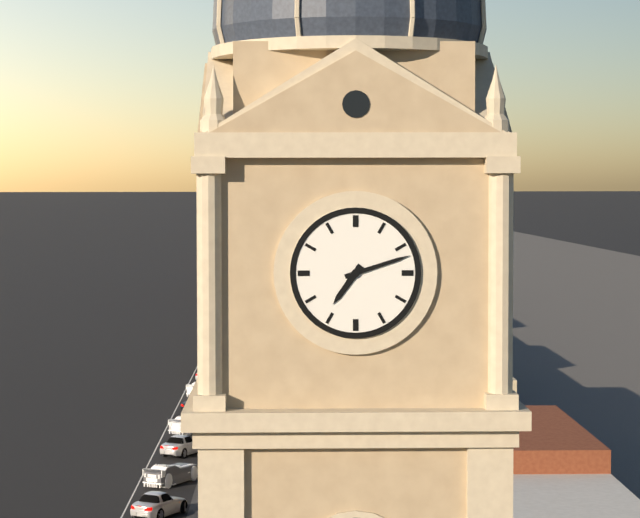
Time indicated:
{"hour": 7, "minute": 12}
